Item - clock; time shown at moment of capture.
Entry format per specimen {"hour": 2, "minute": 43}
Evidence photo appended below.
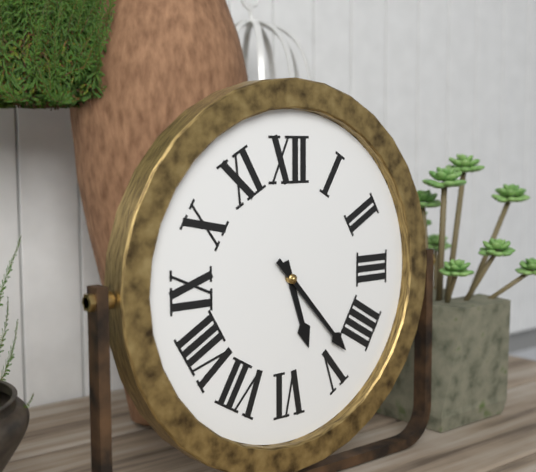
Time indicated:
{"hour": 5, "minute": 23}
